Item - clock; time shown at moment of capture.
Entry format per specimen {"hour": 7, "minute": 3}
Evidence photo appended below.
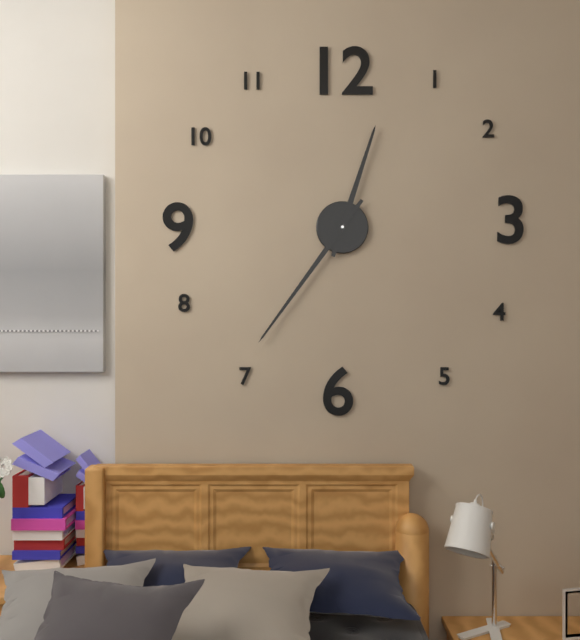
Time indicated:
{"hour": 12, "minute": 36}
